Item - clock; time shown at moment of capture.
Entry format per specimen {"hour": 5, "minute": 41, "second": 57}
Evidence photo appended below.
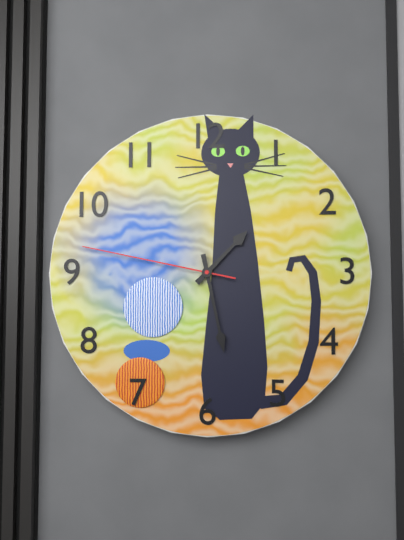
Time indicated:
{"hour": 1, "minute": 28, "second": 47}
